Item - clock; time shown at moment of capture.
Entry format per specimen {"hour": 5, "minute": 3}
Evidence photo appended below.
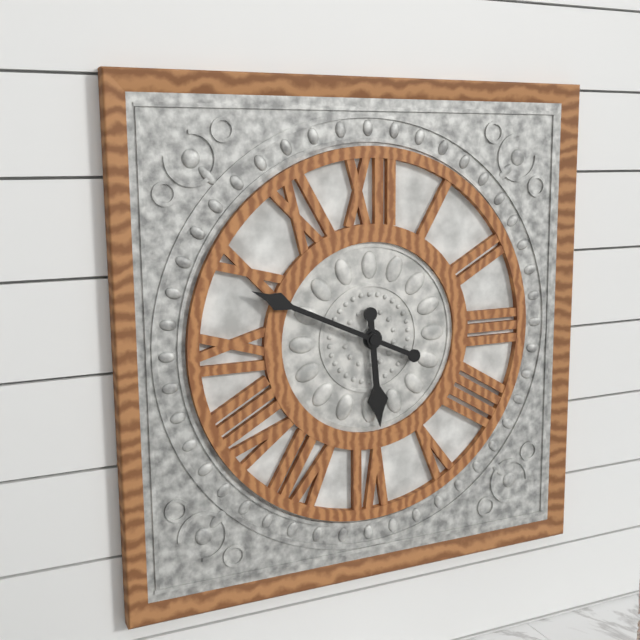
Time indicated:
{"hour": 5, "minute": 49}
